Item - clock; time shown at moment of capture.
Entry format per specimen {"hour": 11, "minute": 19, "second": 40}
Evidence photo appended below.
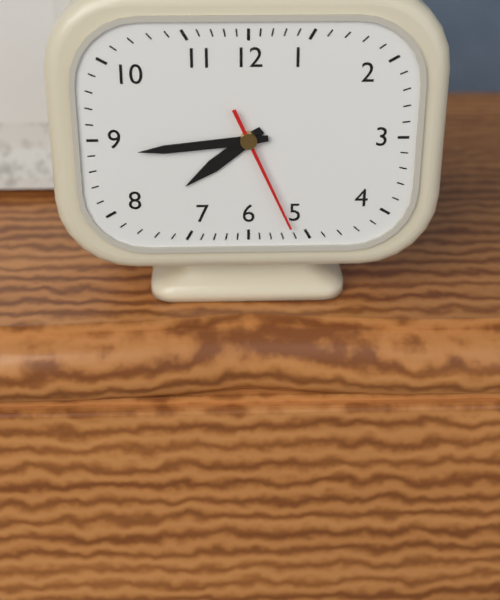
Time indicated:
{"hour": 7, "minute": 44, "second": 26}
